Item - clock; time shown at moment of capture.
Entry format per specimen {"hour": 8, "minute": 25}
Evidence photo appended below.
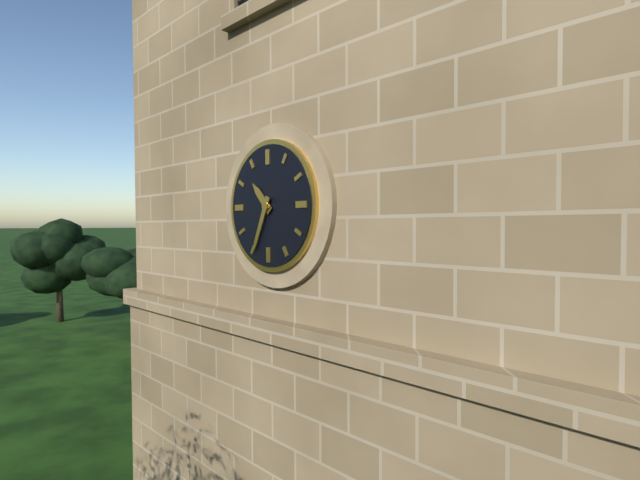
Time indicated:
{"hour": 10, "minute": 34}
